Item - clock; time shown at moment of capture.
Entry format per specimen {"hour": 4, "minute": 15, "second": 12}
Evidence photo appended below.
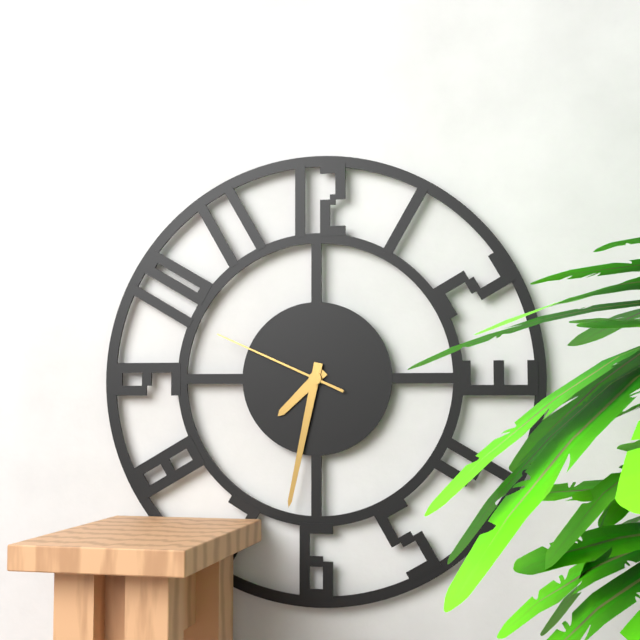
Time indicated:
{"hour": 7, "minute": 32, "second": 49}
